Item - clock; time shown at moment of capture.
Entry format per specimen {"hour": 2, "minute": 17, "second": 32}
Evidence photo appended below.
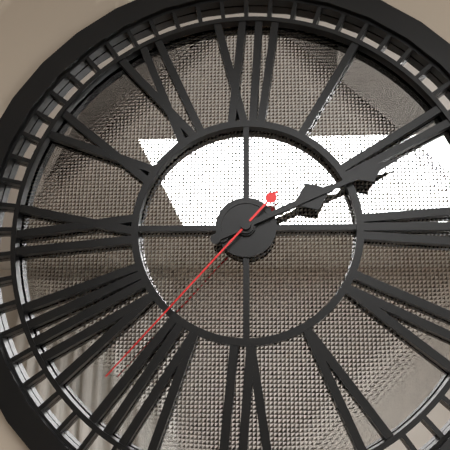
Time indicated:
{"hour": 2, "minute": 11, "second": 37}
